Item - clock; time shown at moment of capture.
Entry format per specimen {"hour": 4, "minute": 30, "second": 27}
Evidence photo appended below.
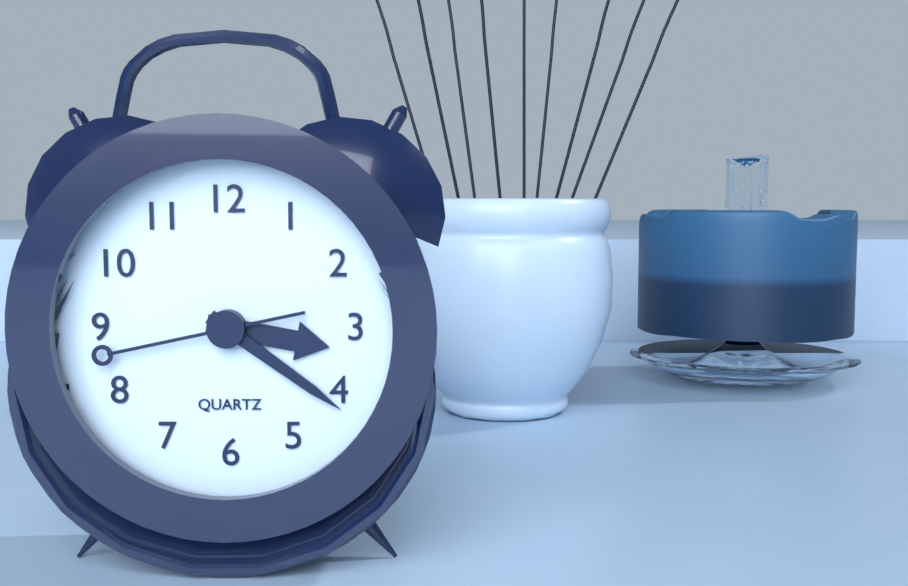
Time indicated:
{"hour": 3, "minute": 21, "second": 43}
